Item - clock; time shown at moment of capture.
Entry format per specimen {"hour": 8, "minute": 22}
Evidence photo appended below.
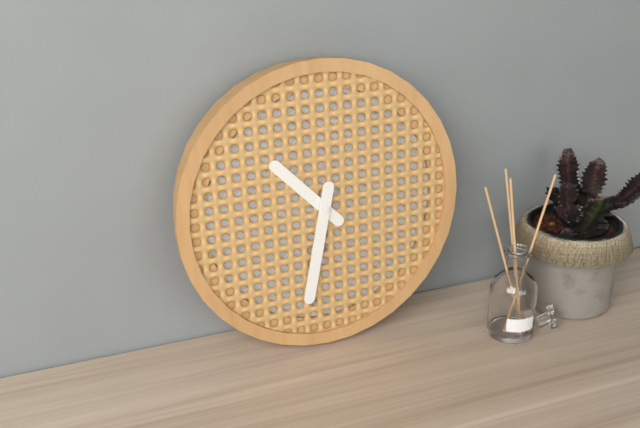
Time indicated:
{"hour": 10, "minute": 32}
